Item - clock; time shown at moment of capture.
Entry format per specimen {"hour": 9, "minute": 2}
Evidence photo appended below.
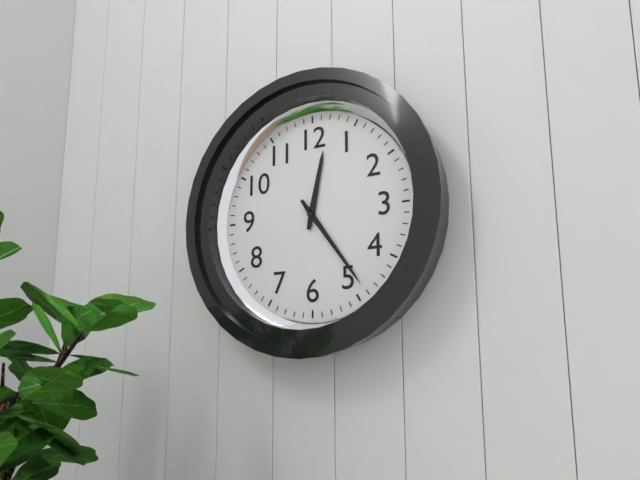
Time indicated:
{"hour": 12, "minute": 24}
